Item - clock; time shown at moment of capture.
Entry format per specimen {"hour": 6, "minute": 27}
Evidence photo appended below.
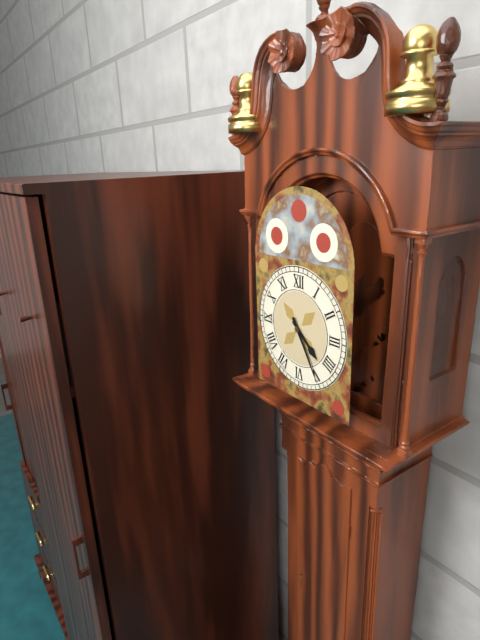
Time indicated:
{"hour": 4, "minute": 25}
